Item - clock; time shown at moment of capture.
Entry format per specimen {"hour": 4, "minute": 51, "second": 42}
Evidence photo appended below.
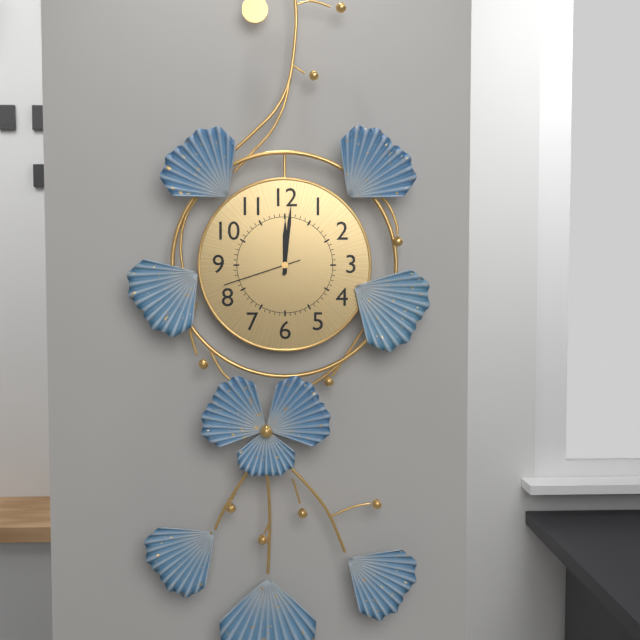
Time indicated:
{"hour": 12, "minute": 1, "second": 42}
